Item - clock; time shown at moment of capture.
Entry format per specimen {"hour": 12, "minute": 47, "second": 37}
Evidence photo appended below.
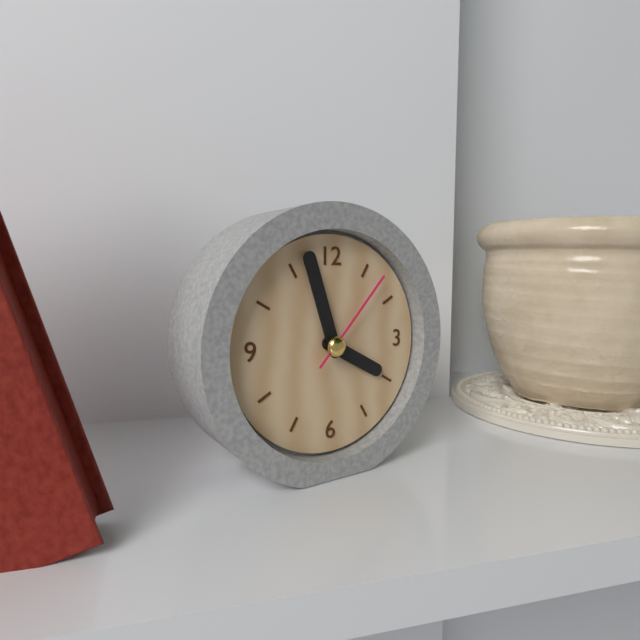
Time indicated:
{"hour": 3, "minute": 57, "second": 7}
